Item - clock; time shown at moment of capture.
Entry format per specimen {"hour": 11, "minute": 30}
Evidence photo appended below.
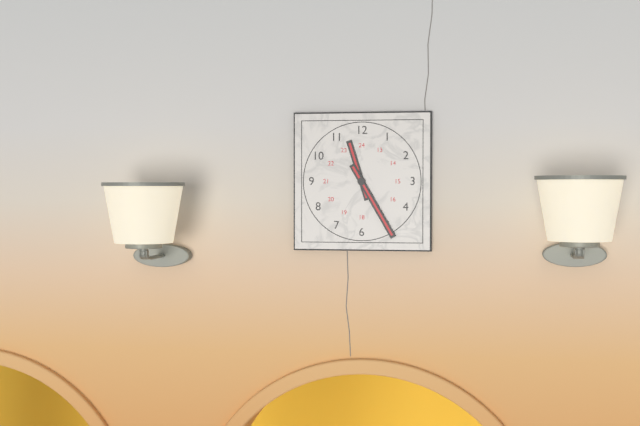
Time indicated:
{"hour": 11, "minute": 25}
